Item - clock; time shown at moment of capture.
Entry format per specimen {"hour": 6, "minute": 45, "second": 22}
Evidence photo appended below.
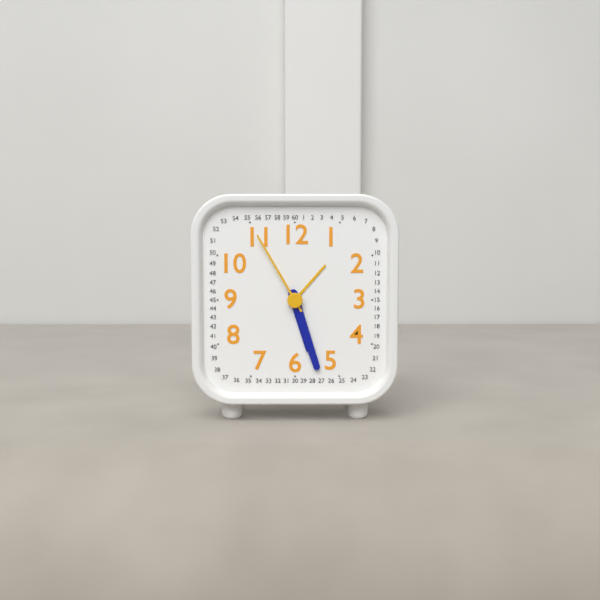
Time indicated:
{"hour": 5, "minute": 27, "second": 55}
